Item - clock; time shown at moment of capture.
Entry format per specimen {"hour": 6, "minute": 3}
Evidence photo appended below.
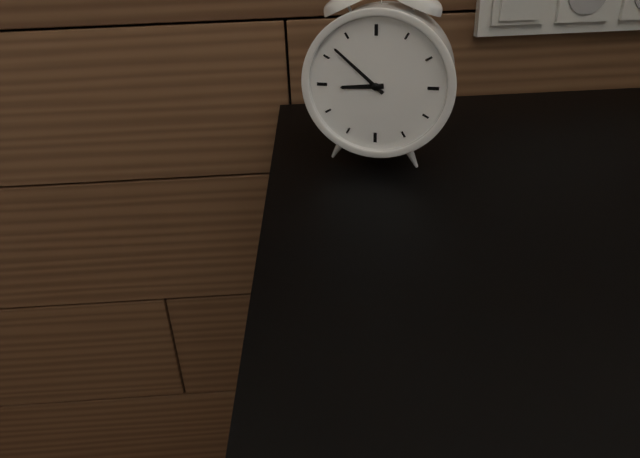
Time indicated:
{"hour": 8, "minute": 52}
